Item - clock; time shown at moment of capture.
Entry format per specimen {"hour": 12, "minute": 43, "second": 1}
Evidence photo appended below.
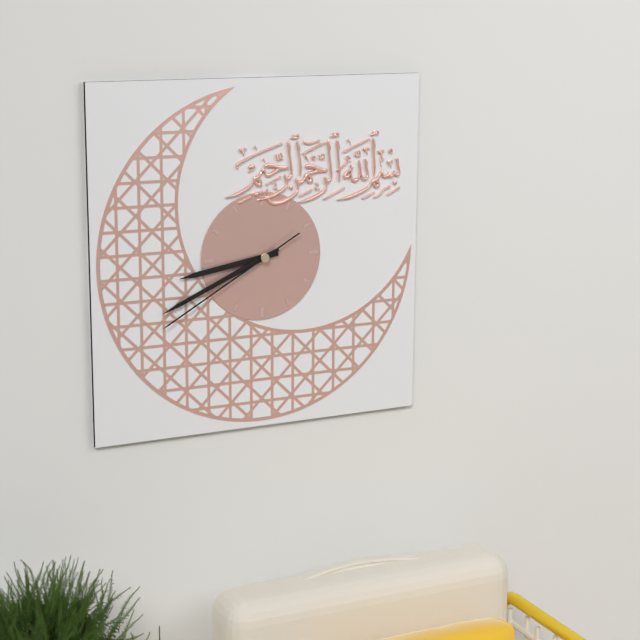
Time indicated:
{"hour": 8, "minute": 41, "second": 40}
